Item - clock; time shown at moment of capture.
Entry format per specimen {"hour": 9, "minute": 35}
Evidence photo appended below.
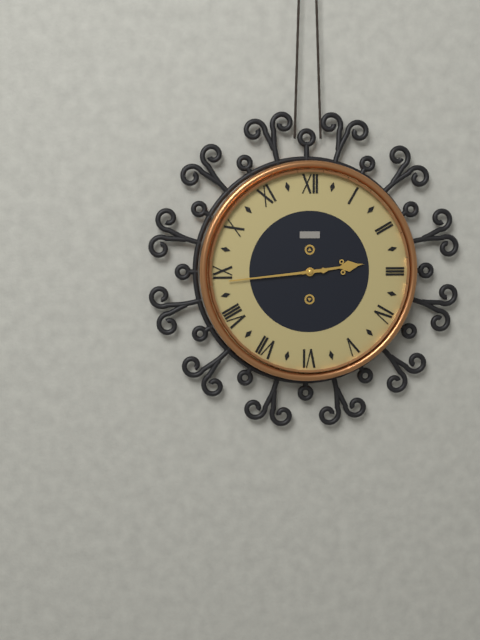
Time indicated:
{"hour": 2, "minute": 44}
